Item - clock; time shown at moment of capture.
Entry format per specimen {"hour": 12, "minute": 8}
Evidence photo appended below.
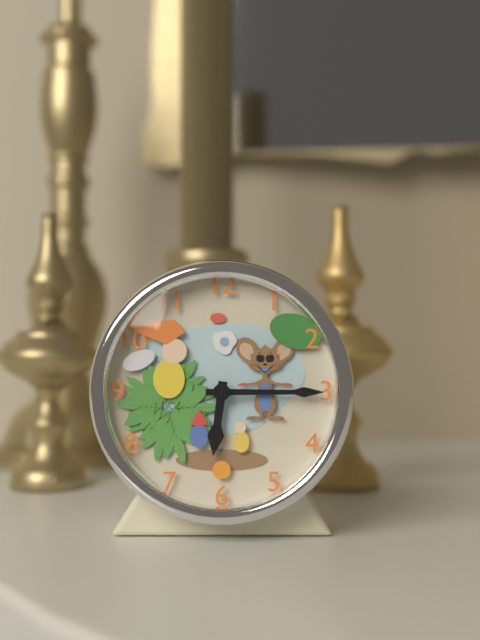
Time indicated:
{"hour": 6, "minute": 15}
